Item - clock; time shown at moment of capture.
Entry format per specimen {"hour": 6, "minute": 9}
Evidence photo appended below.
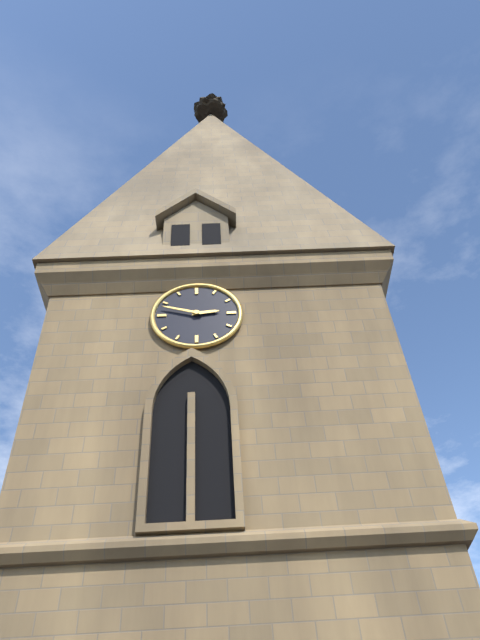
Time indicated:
{"hour": 2, "minute": 48}
